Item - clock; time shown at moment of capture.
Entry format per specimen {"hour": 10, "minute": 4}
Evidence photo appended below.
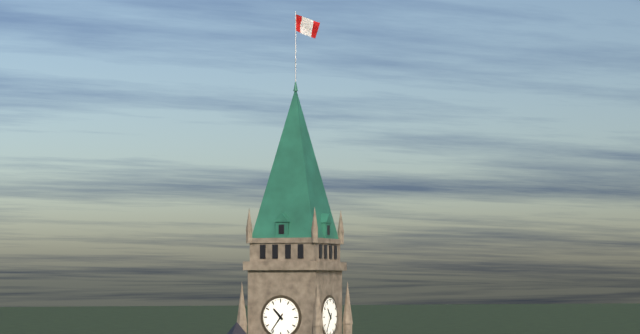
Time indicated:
{"hour": 10, "minute": 36}
